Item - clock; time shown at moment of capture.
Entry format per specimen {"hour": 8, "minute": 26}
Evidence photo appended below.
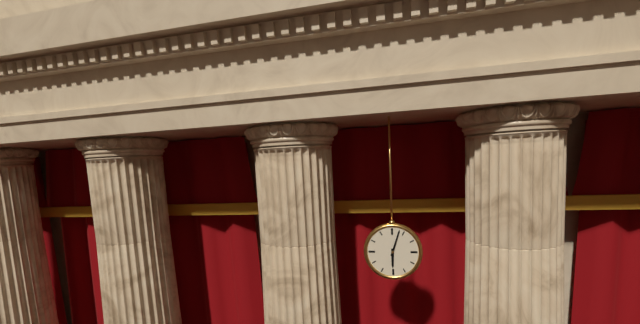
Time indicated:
{"hour": 6, "minute": 3}
